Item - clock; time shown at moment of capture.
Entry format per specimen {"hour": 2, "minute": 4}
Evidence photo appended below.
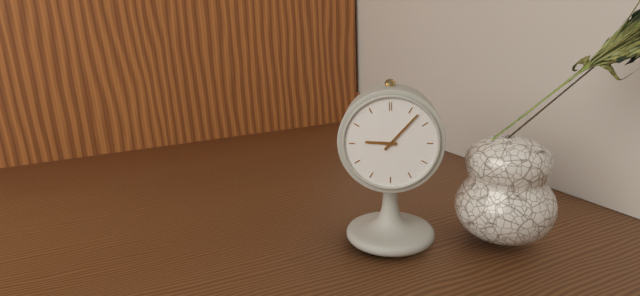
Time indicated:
{"hour": 9, "minute": 7}
